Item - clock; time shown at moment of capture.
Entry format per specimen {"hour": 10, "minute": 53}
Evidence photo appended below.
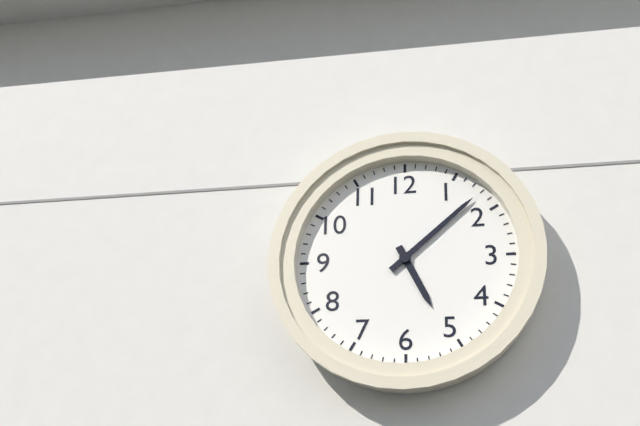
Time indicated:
{"hour": 5, "minute": 8}
